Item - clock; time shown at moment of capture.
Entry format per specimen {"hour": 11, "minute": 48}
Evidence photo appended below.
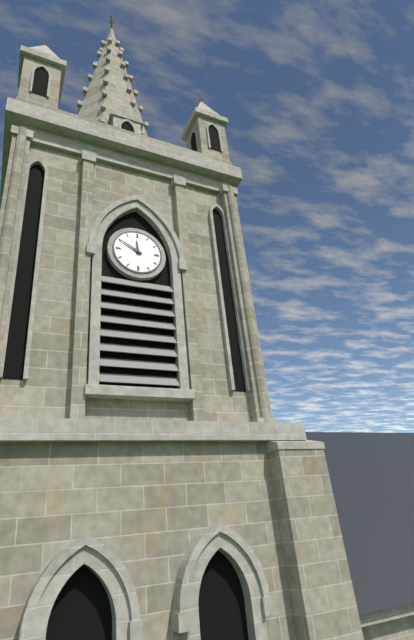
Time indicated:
{"hour": 11, "minute": 50}
